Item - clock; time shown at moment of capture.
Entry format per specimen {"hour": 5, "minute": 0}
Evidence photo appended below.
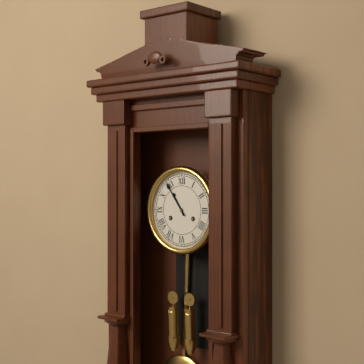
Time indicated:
{"hour": 10, "minute": 54}
